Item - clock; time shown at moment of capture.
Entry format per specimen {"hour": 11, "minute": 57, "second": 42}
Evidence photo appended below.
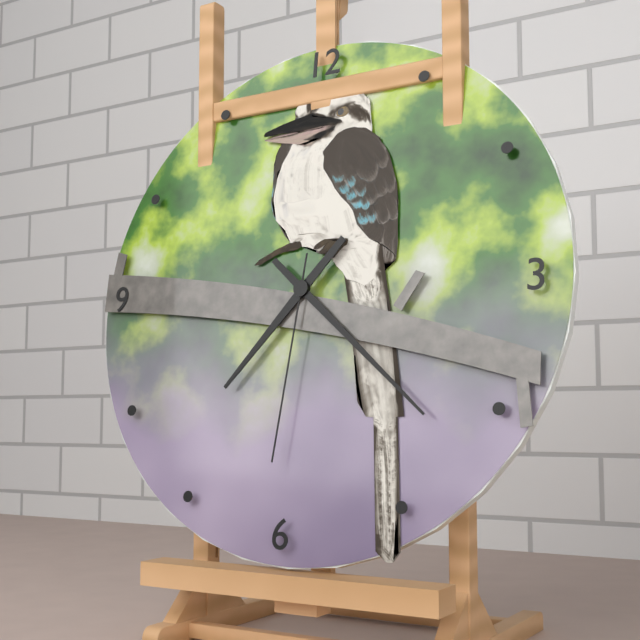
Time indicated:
{"hour": 7, "minute": 22, "second": 31}
